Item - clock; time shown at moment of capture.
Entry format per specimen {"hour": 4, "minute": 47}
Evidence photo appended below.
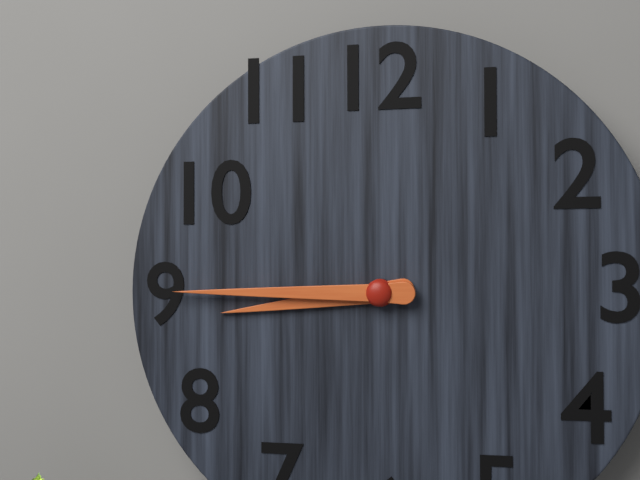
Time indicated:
{"hour": 8, "minute": 45}
